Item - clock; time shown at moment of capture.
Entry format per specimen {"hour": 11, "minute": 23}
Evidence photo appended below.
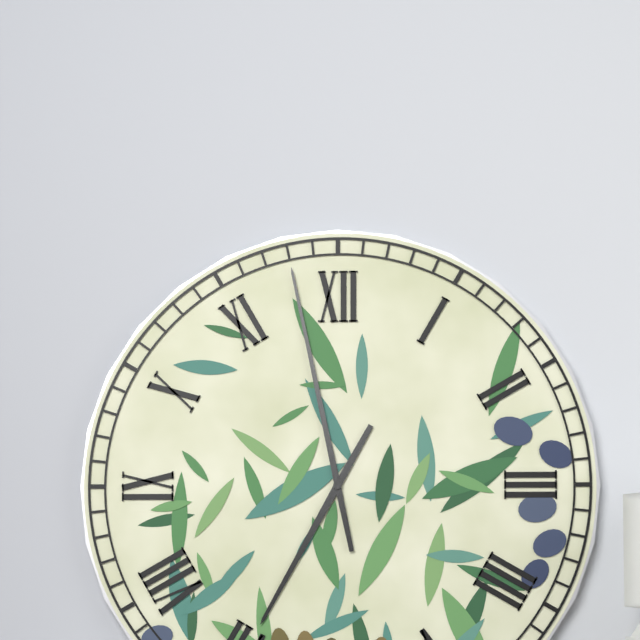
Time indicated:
{"hour": 6, "minute": 58}
